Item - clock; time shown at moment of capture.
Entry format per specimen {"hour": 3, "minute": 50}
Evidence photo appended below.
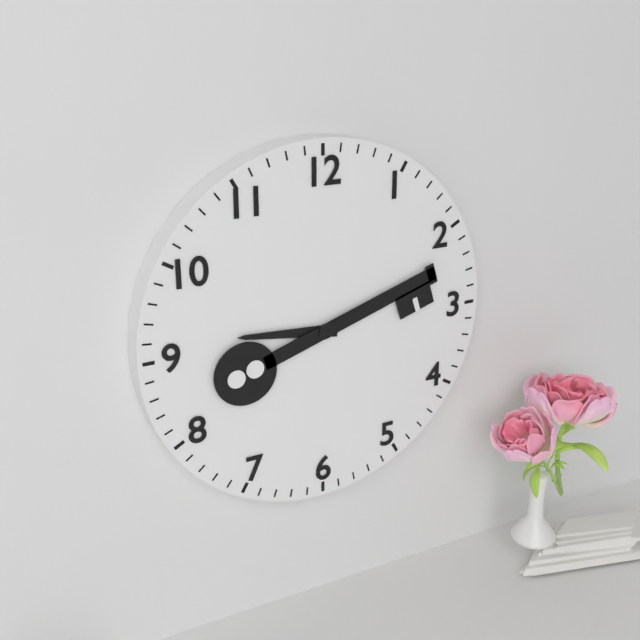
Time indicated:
{"hour": 9, "minute": 12}
